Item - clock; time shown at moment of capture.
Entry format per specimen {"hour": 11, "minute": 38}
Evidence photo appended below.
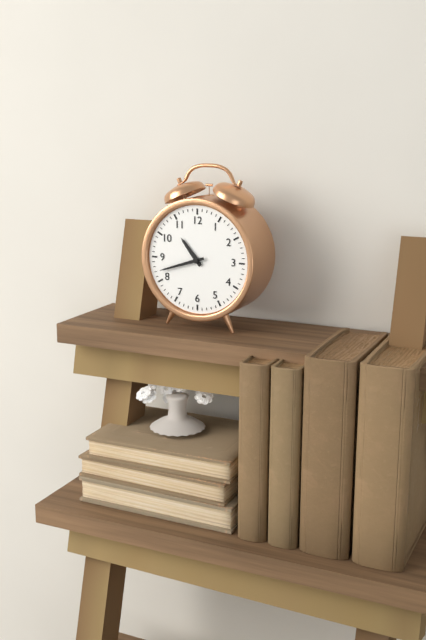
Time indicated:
{"hour": 10, "minute": 42}
